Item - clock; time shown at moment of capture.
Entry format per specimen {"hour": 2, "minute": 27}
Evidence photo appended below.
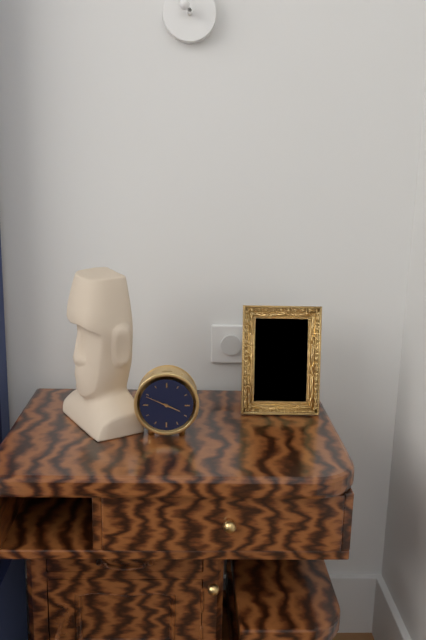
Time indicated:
{"hour": 3, "minute": 49}
